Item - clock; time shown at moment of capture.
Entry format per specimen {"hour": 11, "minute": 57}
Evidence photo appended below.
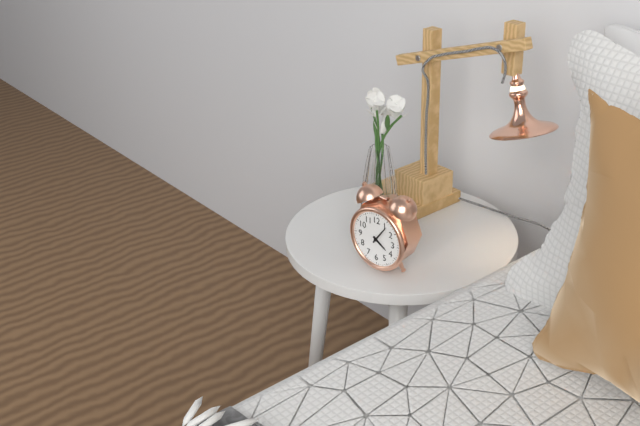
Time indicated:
{"hour": 4, "minute": 6}
